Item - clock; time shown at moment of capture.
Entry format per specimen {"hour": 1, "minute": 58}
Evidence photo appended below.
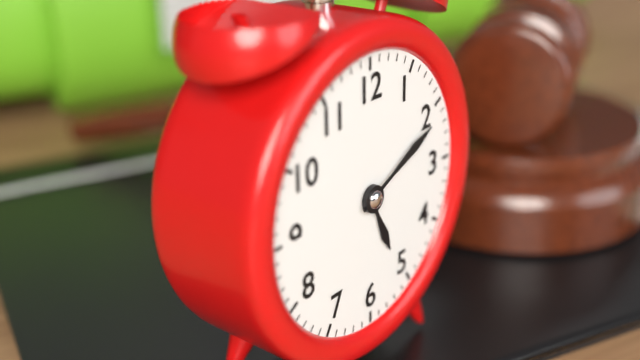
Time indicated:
{"hour": 5, "minute": 11}
